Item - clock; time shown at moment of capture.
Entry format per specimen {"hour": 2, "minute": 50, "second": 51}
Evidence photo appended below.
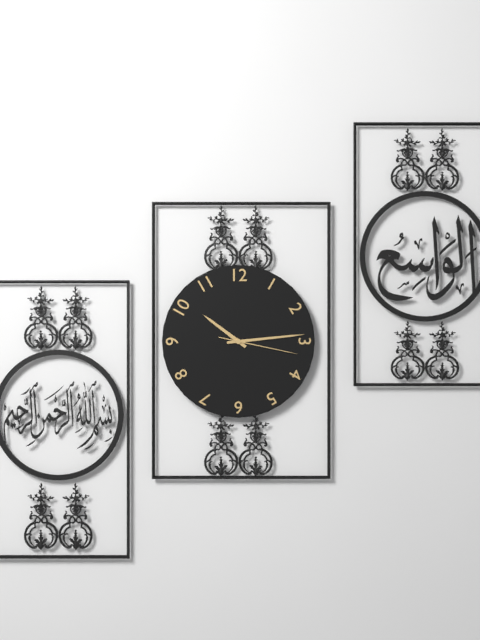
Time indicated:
{"hour": 10, "minute": 14, "second": 17}
